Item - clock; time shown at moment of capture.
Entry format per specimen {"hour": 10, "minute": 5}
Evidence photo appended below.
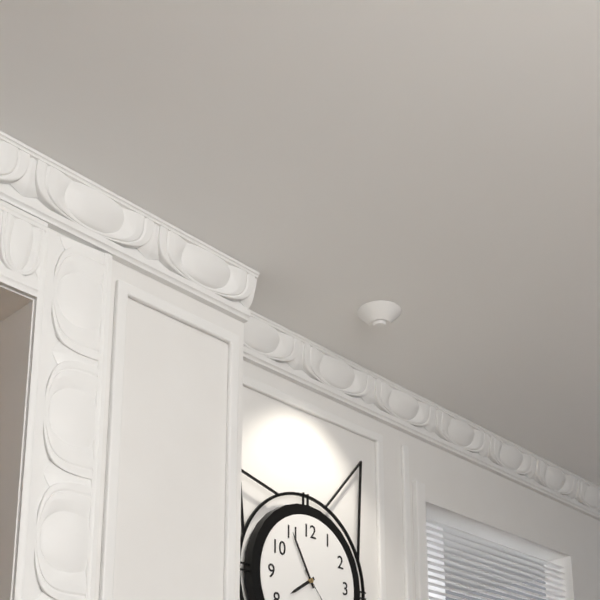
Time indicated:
{"hour": 7, "minute": 55}
